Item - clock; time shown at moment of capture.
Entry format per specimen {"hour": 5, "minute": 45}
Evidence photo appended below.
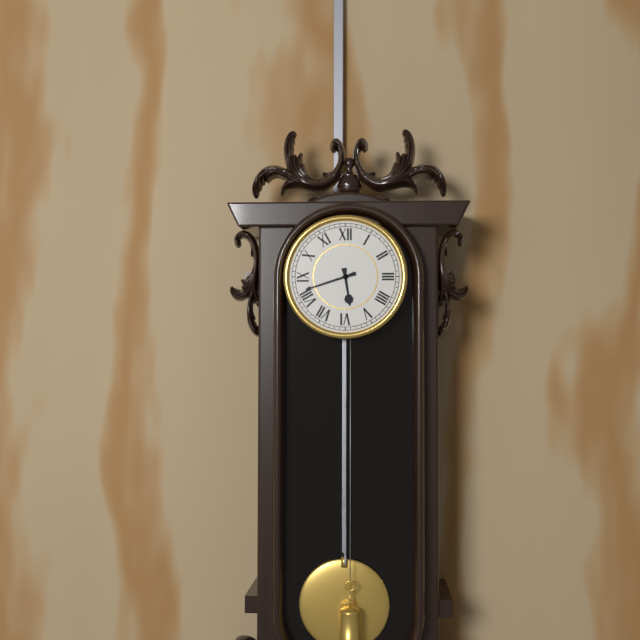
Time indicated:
{"hour": 5, "minute": 42}
